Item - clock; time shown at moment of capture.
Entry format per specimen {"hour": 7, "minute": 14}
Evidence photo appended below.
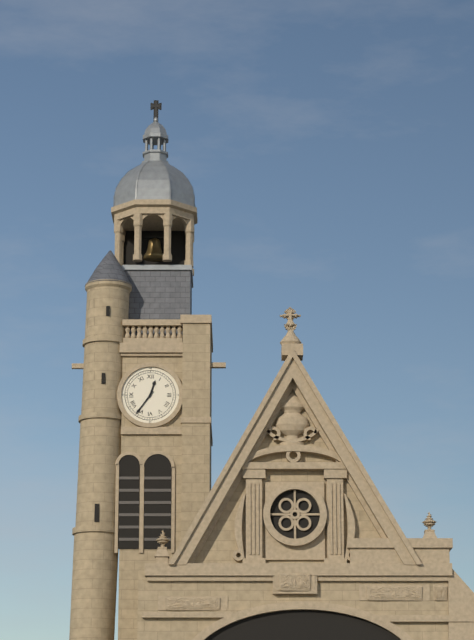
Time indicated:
{"hour": 12, "minute": 36}
